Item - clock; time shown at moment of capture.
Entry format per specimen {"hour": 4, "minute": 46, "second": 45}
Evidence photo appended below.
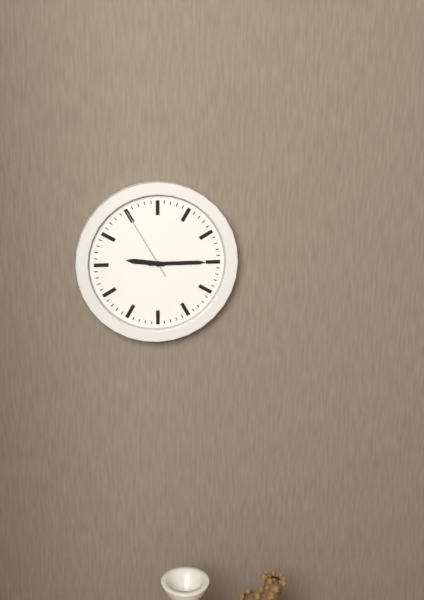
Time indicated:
{"hour": 9, "minute": 15, "second": 55}
